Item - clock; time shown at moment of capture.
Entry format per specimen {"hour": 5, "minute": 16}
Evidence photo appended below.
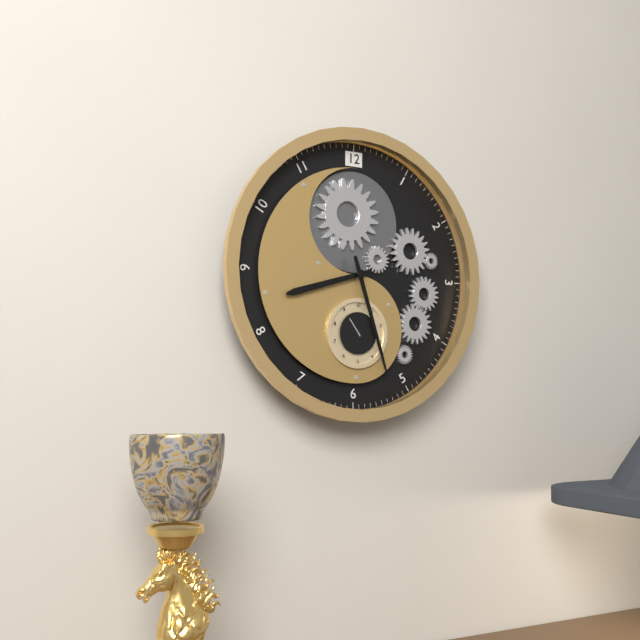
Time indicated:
{"hour": 8, "minute": 27}
